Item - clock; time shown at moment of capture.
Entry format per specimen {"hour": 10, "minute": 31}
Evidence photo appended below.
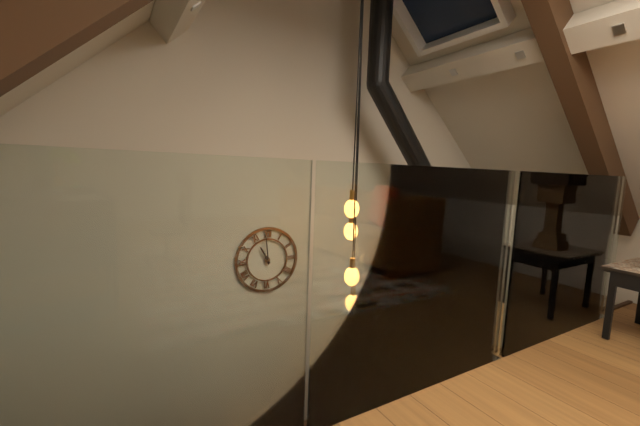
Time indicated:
{"hour": 10, "minute": 59}
